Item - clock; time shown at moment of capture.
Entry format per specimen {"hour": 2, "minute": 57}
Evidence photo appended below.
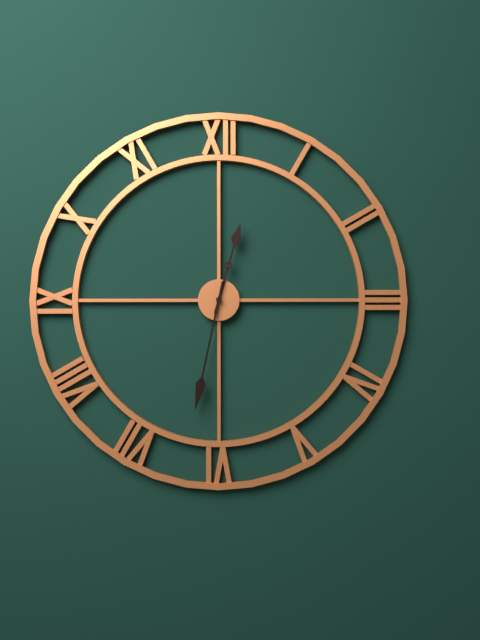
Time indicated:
{"hour": 12, "minute": 32}
